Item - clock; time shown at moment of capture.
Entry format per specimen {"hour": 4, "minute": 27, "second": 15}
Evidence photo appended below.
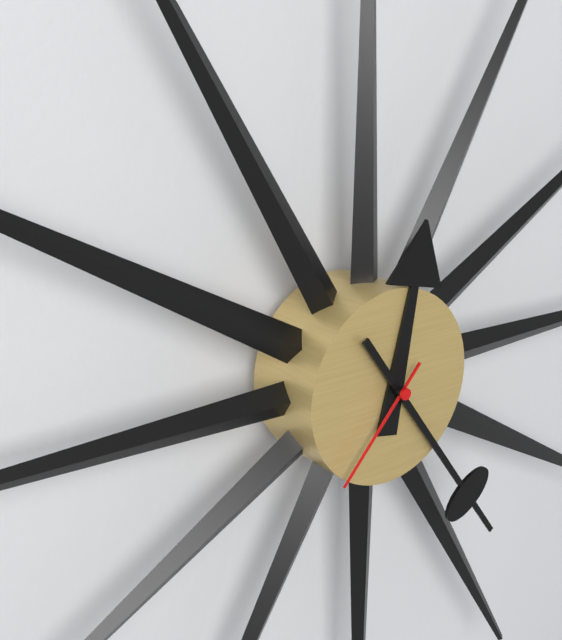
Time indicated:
{"hour": 12, "minute": 24, "second": 37}
